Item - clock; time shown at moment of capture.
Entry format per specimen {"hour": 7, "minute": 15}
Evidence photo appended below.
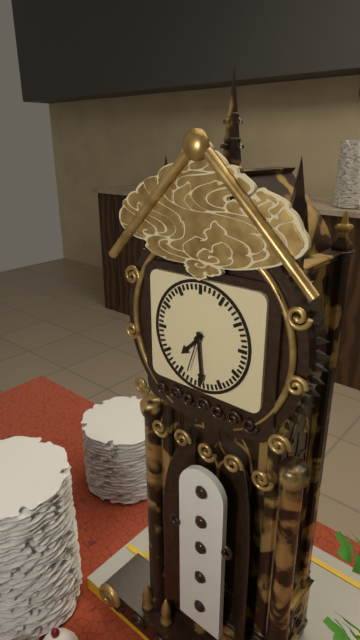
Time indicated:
{"hour": 7, "minute": 29}
